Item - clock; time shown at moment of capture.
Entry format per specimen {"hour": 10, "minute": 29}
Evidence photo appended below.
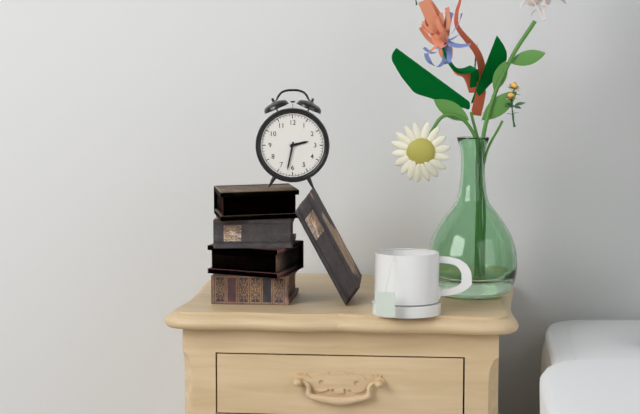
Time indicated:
{"hour": 2, "minute": 32}
